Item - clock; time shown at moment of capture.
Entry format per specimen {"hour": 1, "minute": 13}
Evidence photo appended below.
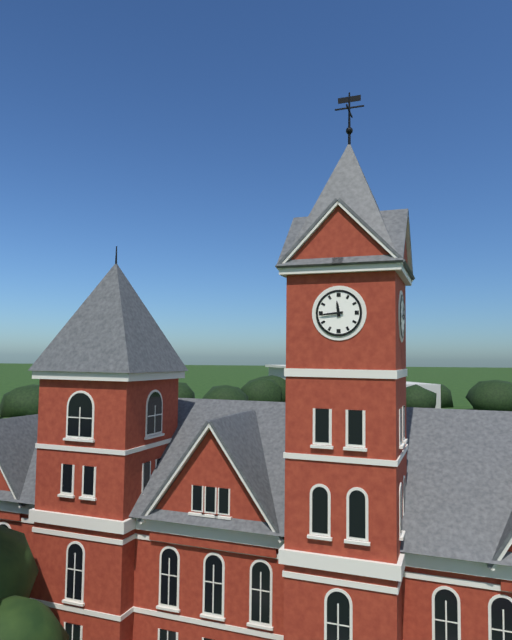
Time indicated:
{"hour": 11, "minute": 44}
